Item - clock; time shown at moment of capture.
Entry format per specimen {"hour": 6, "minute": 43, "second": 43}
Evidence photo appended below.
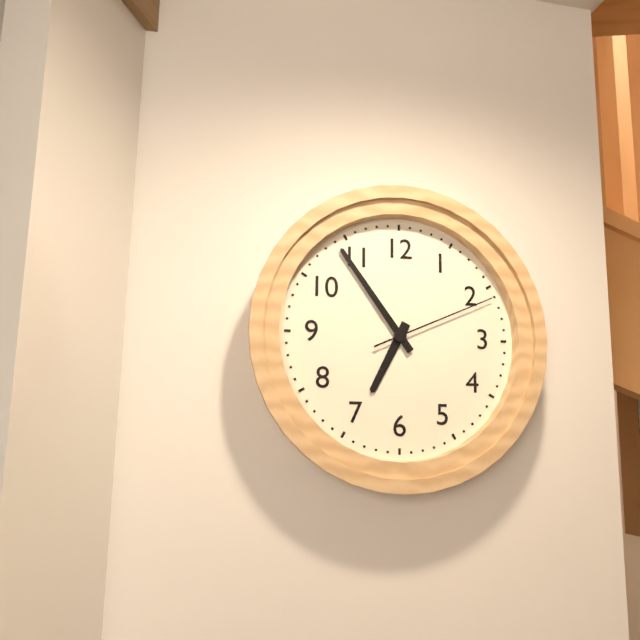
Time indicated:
{"hour": 6, "minute": 54, "second": 11}
